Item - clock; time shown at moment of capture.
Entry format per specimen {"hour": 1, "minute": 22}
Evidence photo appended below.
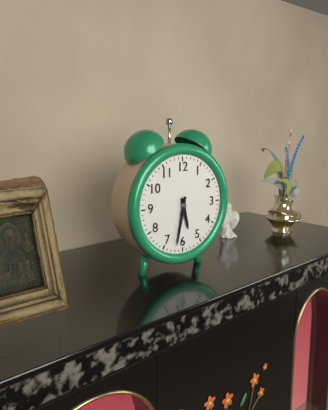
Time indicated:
{"hour": 5, "minute": 32}
